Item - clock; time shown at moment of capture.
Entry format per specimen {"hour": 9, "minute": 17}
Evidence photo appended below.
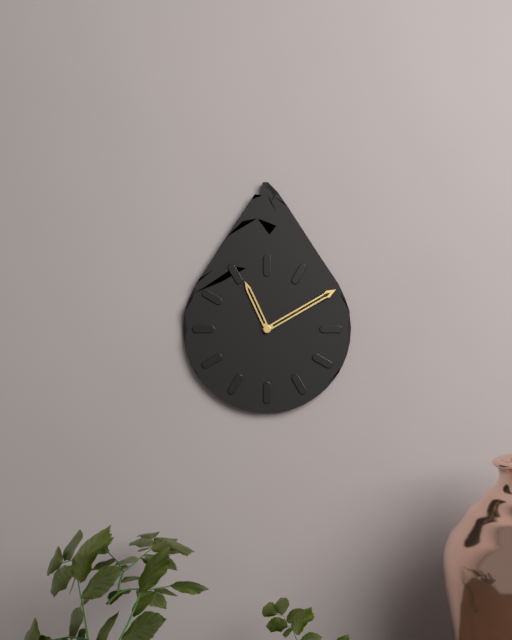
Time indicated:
{"hour": 11, "minute": 10}
